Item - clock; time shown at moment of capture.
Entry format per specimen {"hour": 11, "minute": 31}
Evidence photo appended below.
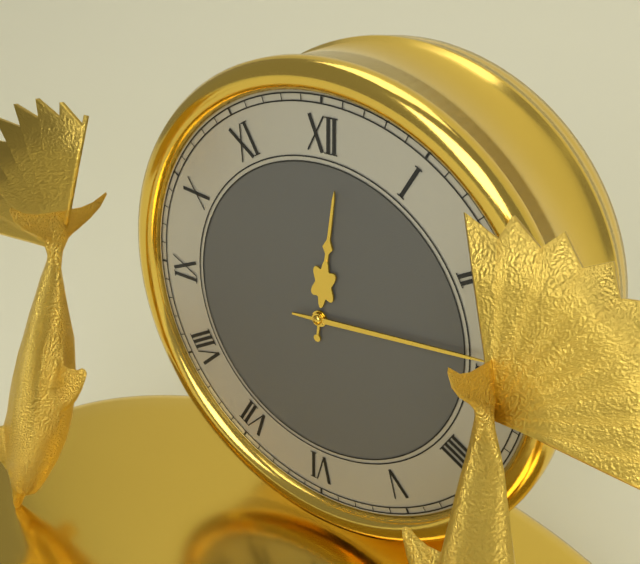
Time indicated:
{"hour": 12, "minute": 14}
